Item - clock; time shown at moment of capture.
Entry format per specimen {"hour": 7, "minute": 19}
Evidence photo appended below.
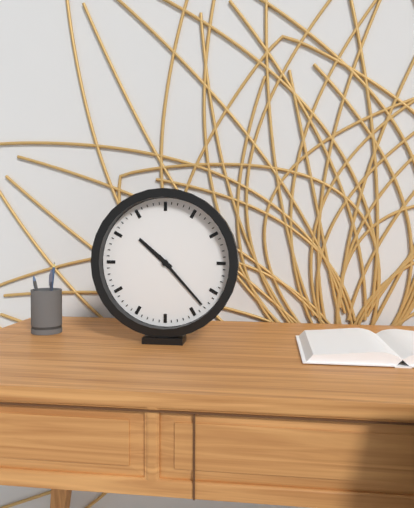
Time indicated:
{"hour": 10, "minute": 23}
